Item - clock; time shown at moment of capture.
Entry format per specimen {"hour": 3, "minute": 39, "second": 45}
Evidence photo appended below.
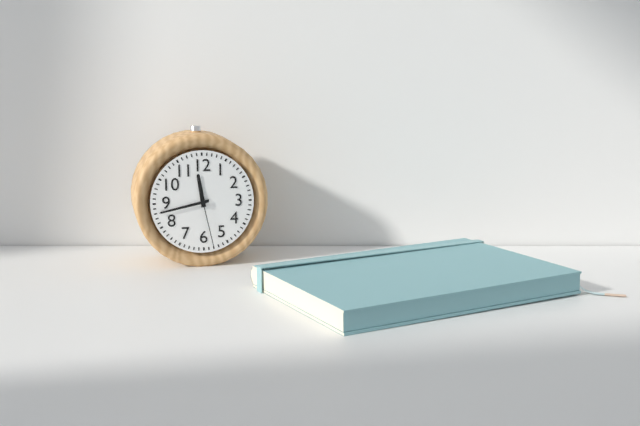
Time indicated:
{"hour": 11, "minute": 43, "second": 28}
